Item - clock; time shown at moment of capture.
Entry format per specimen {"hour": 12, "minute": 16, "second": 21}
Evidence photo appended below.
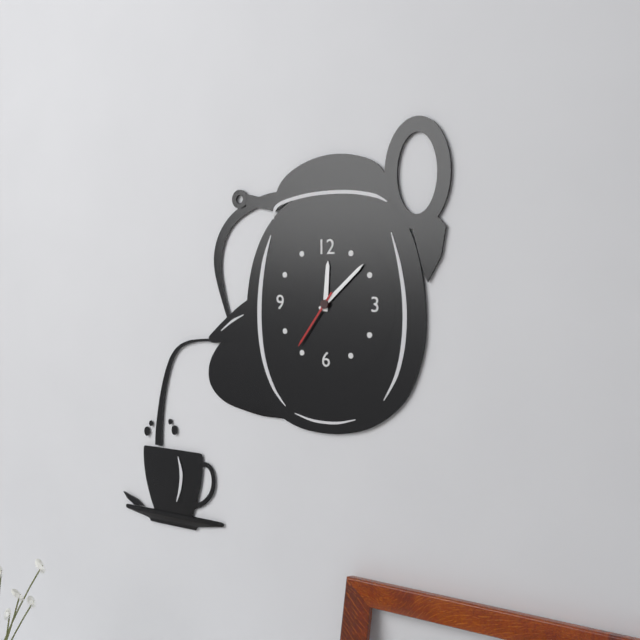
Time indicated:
{"hour": 12, "minute": 8, "second": 36}
